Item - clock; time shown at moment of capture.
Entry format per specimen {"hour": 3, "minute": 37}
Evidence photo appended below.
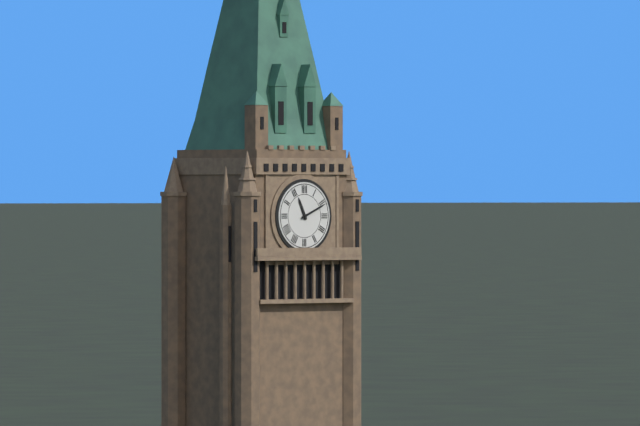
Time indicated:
{"hour": 11, "minute": 11}
